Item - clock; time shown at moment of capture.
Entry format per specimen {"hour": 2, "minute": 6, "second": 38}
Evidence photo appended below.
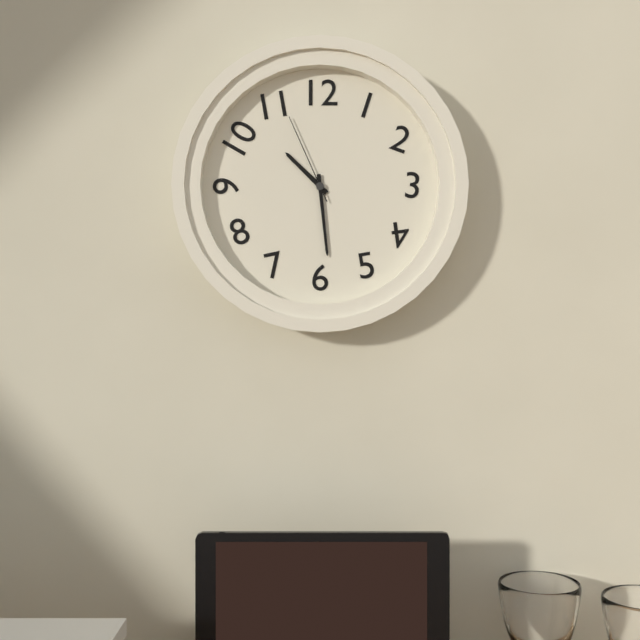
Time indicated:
{"hour": 10, "minute": 29, "second": 56}
